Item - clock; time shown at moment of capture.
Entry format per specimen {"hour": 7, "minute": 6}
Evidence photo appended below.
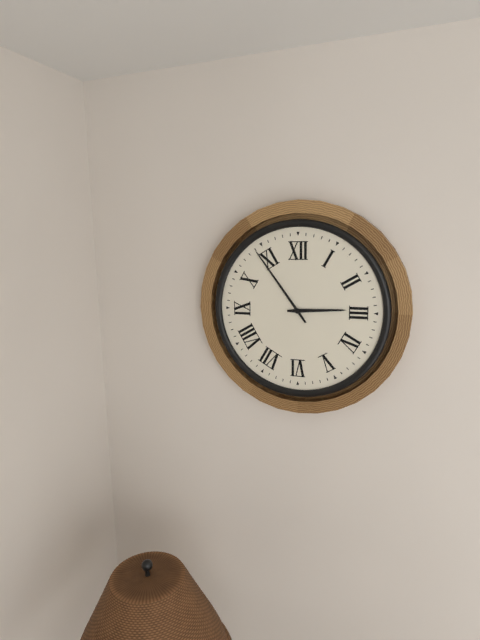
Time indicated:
{"hour": 2, "minute": 54}
